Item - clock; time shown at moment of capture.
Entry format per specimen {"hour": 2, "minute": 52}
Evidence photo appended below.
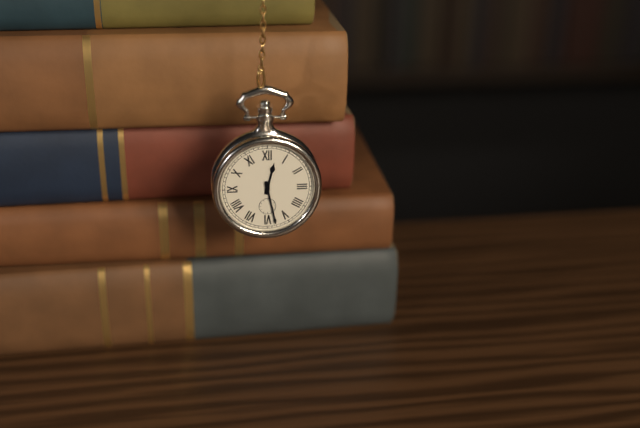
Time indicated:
{"hour": 12, "minute": 28}
